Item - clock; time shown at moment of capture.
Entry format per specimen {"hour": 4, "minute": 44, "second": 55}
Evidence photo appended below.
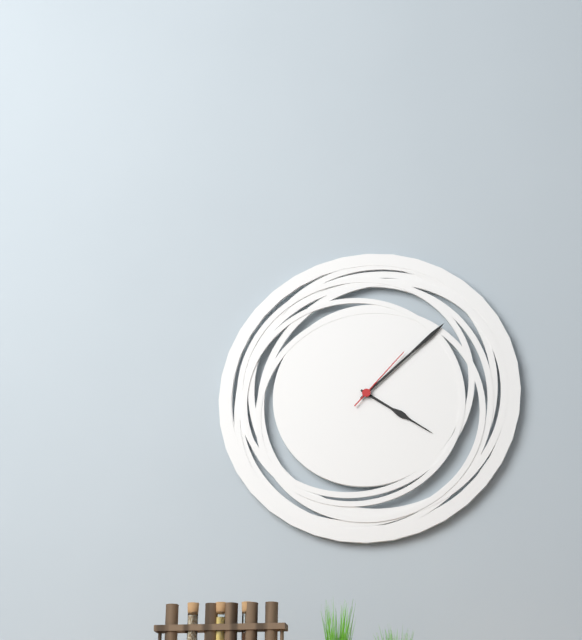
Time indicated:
{"hour": 4, "minute": 8, "second": 7}
